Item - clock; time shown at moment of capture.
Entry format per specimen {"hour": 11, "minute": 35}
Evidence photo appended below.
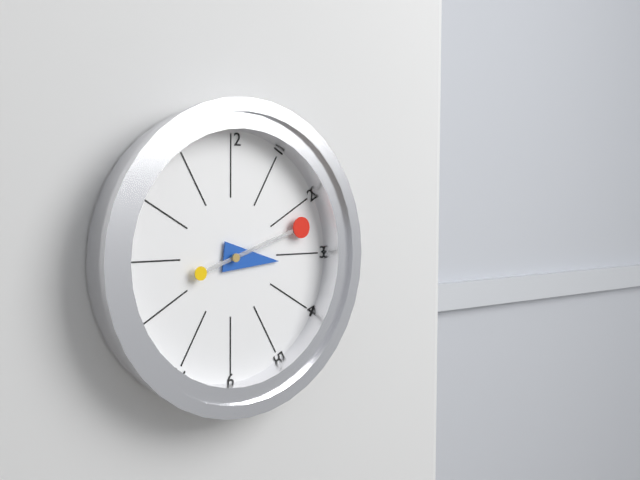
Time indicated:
{"hour": 3, "minute": 12}
